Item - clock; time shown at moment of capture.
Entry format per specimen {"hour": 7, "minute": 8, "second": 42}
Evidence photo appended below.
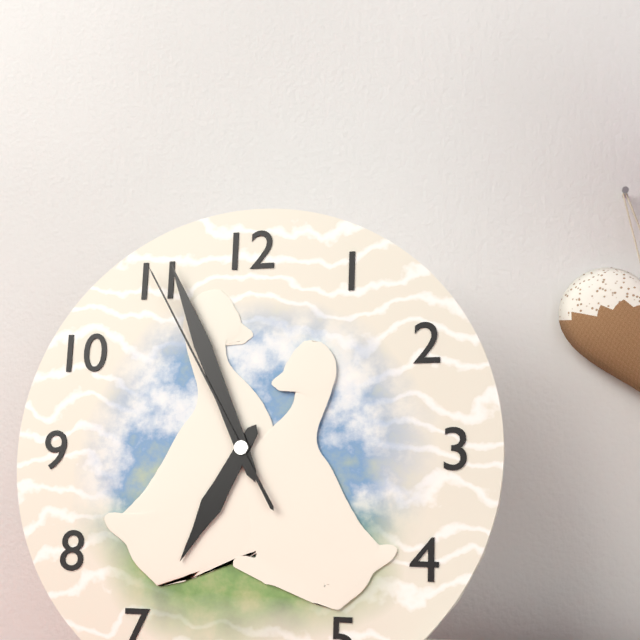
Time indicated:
{"hour": 6, "minute": 56, "second": 55}
